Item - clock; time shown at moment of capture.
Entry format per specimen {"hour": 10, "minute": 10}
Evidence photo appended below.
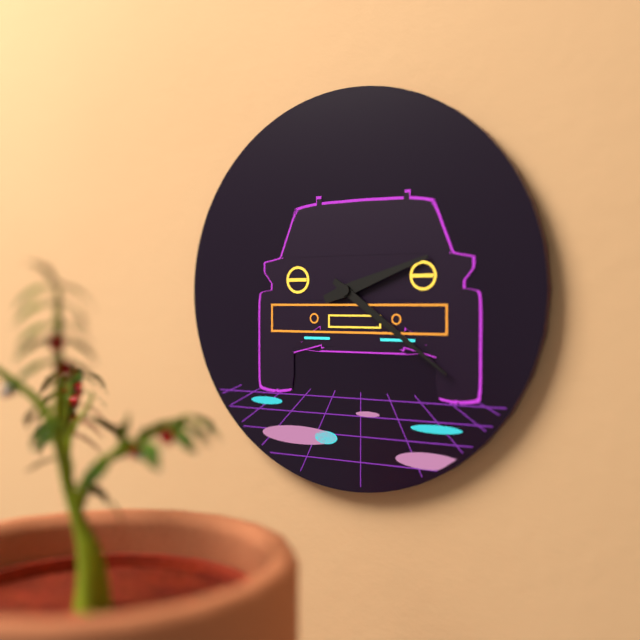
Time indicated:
{"hour": 2, "minute": 21}
